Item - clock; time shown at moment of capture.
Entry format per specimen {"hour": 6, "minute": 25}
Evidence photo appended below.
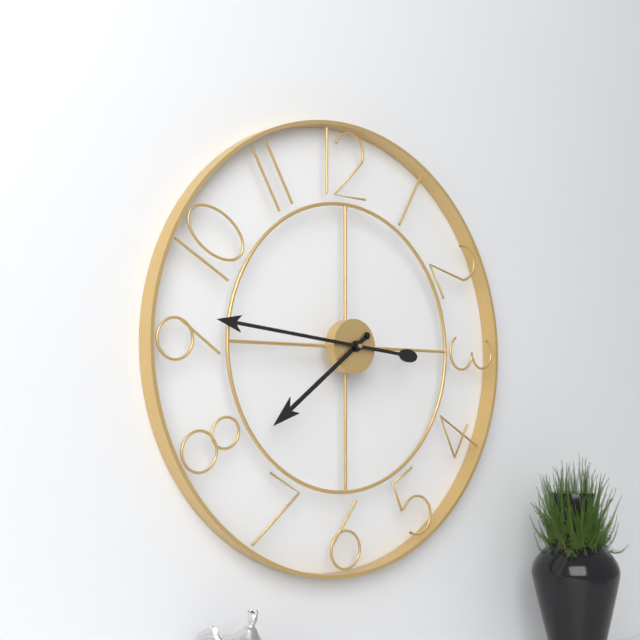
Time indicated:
{"hour": 7, "minute": 46}
